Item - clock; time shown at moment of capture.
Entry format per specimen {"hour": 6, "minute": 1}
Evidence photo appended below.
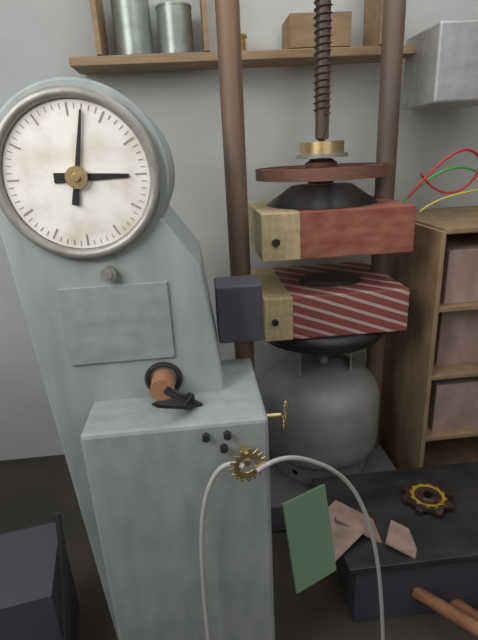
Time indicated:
{"hour": 3, "minute": 2}
